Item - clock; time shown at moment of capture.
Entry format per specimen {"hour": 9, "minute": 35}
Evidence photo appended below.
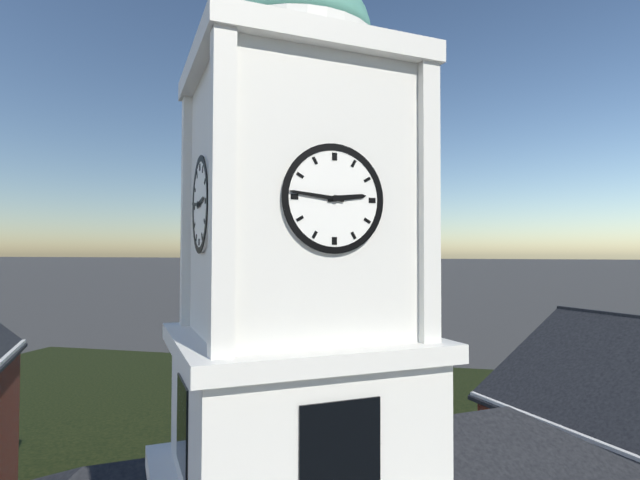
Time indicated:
{"hour": 2, "minute": 46}
